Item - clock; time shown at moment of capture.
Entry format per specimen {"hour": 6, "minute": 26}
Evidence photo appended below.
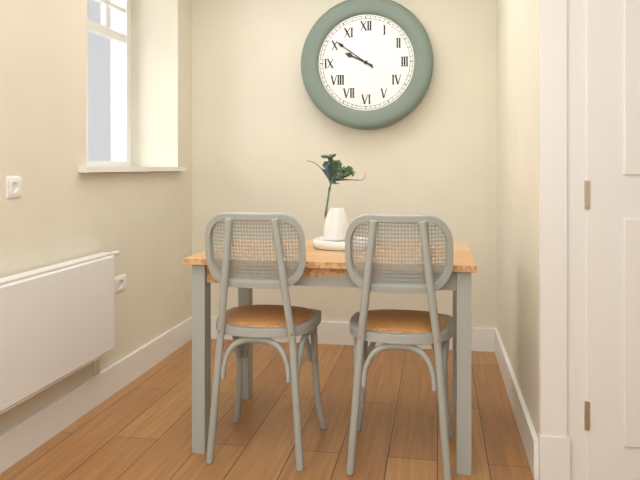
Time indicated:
{"hour": 9, "minute": 51}
